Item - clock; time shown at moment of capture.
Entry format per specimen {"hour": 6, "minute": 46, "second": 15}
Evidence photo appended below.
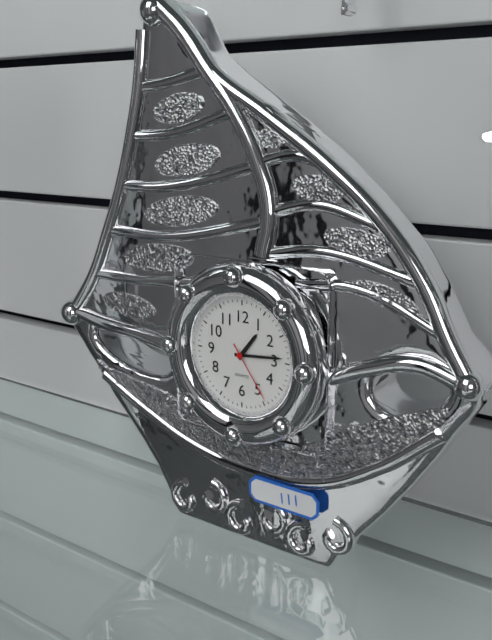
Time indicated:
{"hour": 1, "minute": 14, "second": 24}
